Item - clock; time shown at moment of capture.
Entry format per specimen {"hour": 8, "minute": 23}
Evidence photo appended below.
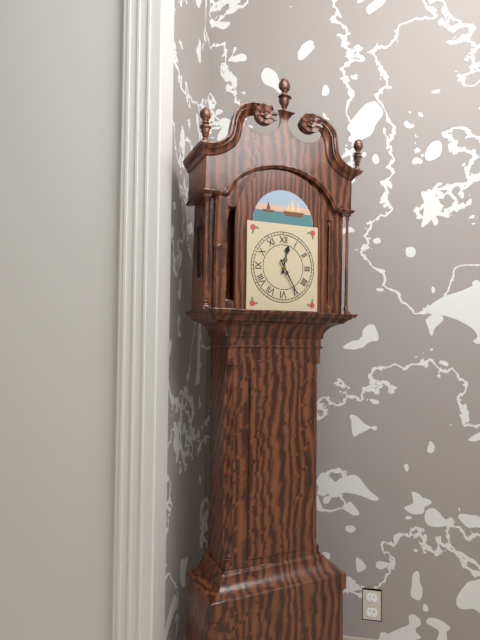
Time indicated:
{"hour": 12, "minute": 25}
